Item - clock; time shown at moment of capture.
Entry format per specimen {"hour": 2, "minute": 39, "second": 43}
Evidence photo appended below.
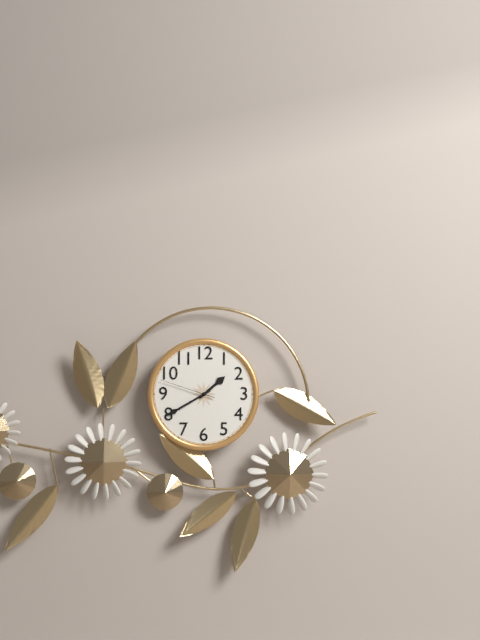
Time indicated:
{"hour": 1, "minute": 40, "second": 48}
